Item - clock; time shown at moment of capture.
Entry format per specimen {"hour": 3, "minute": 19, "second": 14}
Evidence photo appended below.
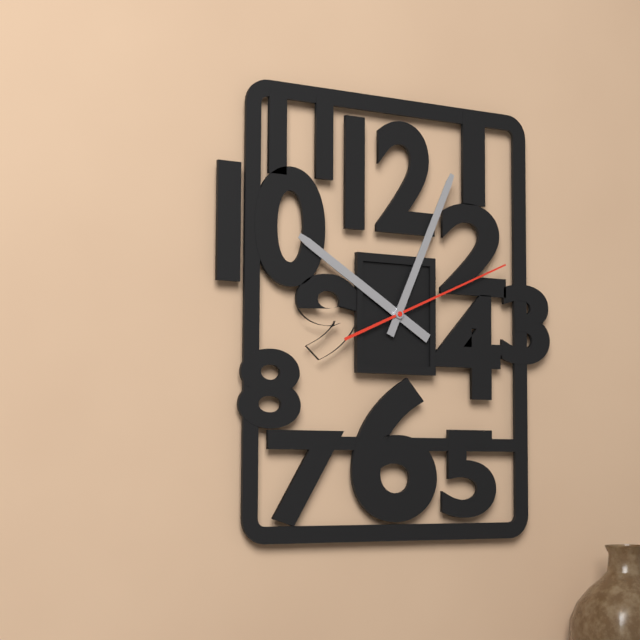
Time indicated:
{"hour": 10, "minute": 4, "second": 11}
